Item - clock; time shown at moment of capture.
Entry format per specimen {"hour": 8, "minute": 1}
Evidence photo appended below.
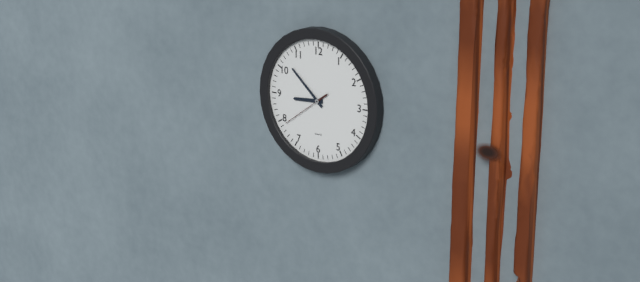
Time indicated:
{"hour": 8, "minute": 52}
